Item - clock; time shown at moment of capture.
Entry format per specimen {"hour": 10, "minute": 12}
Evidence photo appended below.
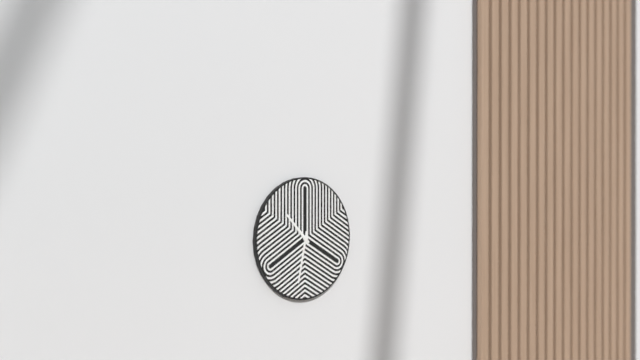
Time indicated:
{"hour": 10, "minute": 32}
